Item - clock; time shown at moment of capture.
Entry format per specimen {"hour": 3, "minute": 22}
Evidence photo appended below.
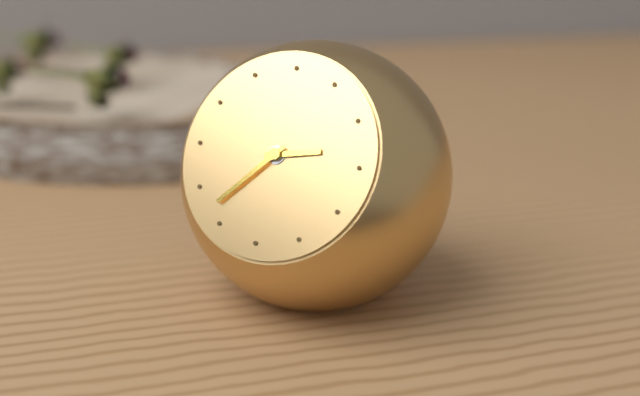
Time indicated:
{"hour": 2, "minute": 37}
